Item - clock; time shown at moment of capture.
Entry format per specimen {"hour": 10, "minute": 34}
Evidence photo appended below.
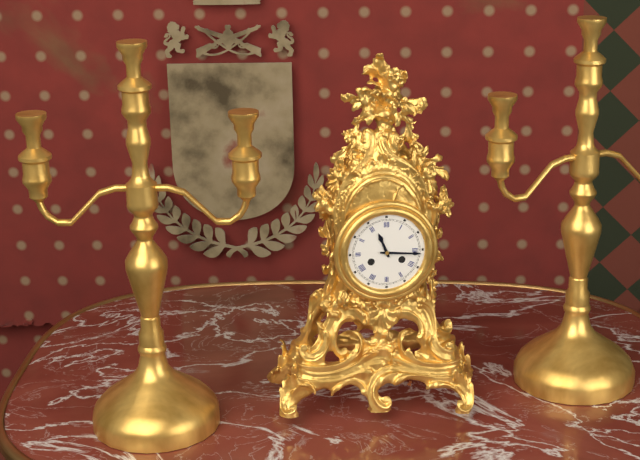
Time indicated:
{"hour": 11, "minute": 16}
